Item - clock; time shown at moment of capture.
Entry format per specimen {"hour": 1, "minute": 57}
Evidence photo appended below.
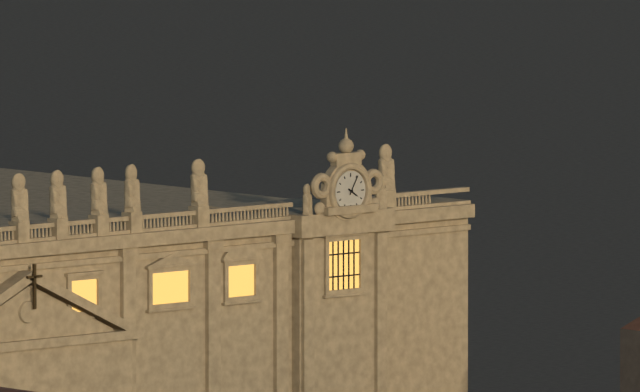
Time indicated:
{"hour": 4, "minute": 5}
